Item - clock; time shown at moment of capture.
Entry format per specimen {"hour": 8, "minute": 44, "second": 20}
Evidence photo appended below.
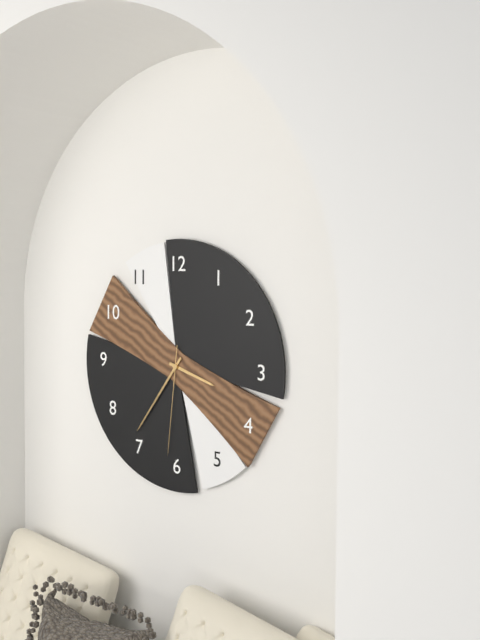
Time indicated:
{"hour": 3, "minute": 36, "second": 31}
